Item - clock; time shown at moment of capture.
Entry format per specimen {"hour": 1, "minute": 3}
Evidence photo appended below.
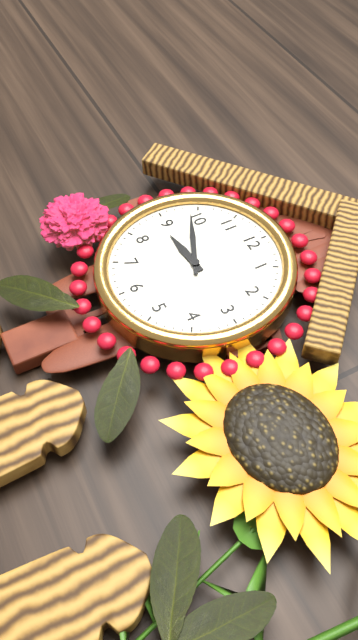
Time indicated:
{"hour": 8, "minute": 49}
